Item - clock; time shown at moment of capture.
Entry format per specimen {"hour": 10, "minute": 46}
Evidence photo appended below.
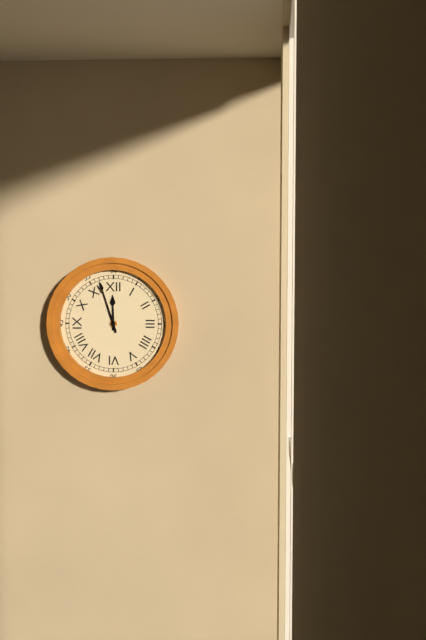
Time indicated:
{"hour": 11, "minute": 57}
